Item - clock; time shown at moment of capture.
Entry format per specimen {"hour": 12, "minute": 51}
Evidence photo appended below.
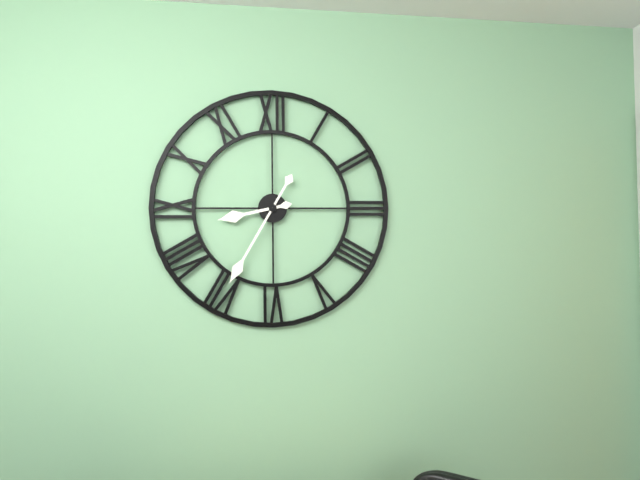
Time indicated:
{"hour": 8, "minute": 35}
